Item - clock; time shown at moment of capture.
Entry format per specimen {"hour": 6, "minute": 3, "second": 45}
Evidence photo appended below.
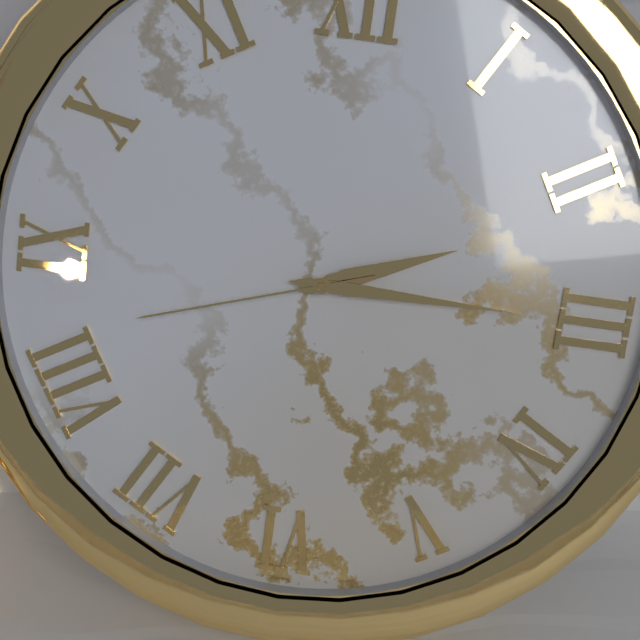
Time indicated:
{"hour": 2, "minute": 15, "second": 42}
